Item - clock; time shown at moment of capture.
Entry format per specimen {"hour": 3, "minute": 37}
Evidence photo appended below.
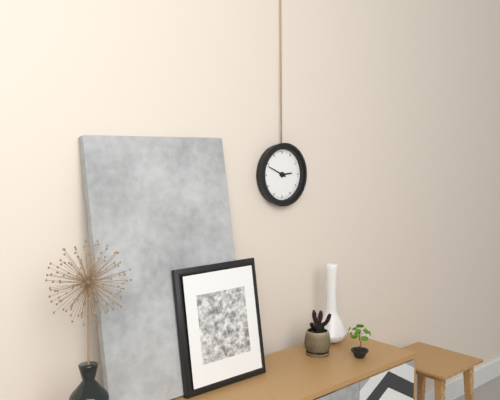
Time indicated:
{"hour": 2, "minute": 49}
